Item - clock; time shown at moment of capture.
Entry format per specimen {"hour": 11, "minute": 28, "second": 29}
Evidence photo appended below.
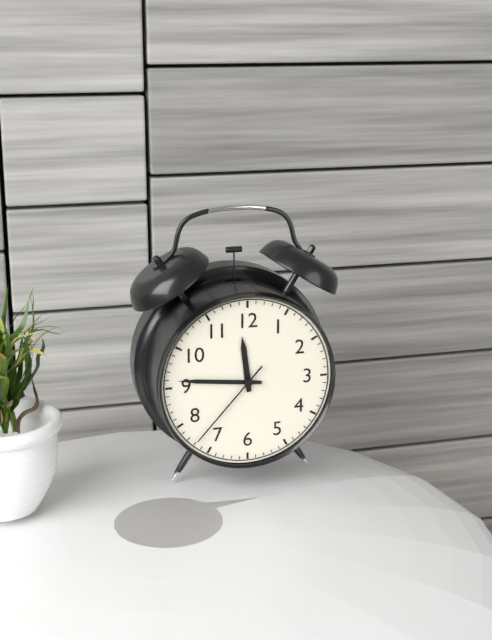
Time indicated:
{"hour": 11, "minute": 46, "second": 37}
